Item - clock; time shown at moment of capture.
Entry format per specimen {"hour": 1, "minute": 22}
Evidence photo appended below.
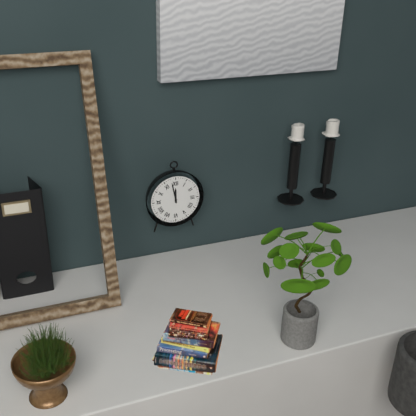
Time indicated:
{"hour": 11, "minute": 58}
